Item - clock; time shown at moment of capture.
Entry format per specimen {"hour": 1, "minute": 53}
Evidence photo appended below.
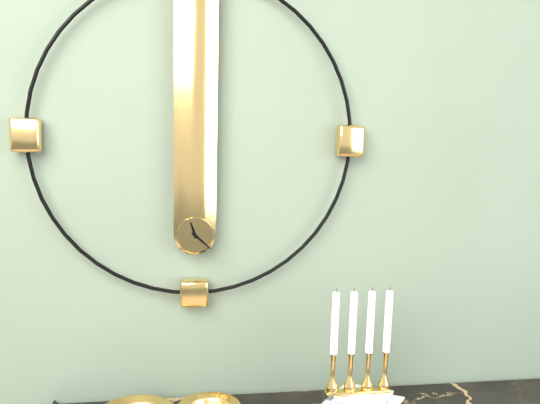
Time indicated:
{"hour": 11, "minute": 22}
